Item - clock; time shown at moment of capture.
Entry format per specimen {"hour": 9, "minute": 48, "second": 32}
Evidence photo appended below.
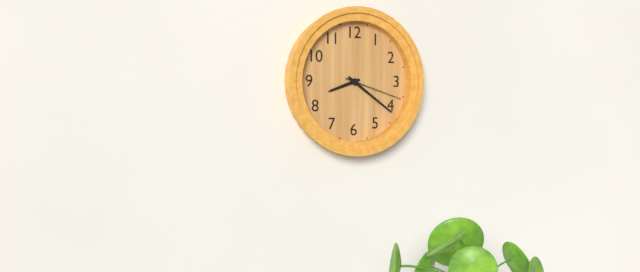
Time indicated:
{"hour": 8, "minute": 21, "second": 18}
